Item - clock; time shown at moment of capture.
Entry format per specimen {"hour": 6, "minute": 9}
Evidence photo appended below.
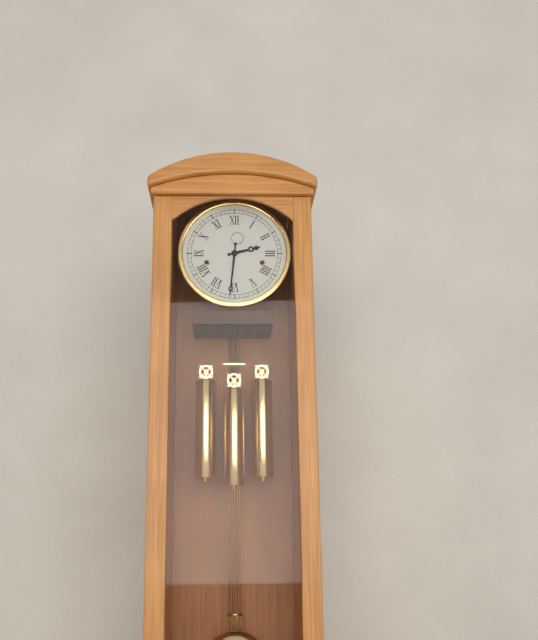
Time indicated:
{"hour": 2, "minute": 31}
